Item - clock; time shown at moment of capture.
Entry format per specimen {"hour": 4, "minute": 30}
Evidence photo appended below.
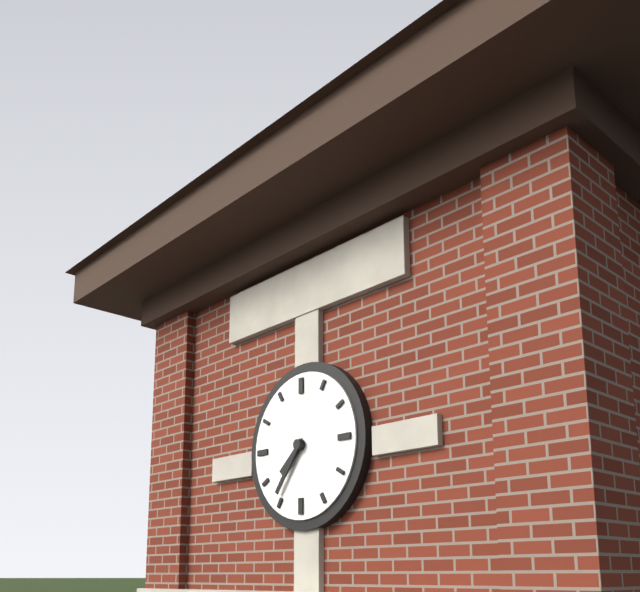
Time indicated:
{"hour": 7, "minute": 36}
